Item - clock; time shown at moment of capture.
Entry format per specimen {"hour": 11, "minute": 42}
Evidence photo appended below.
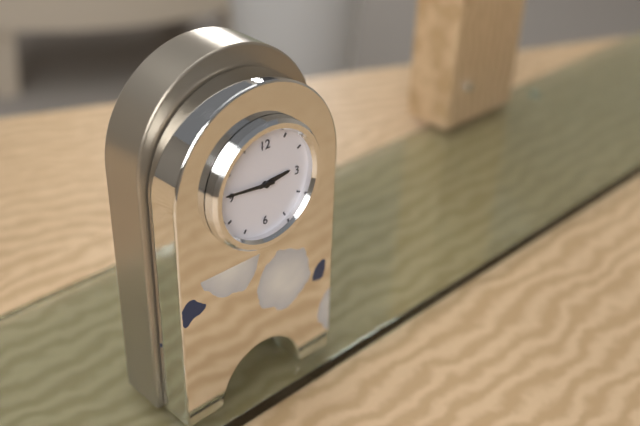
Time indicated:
{"hour": 2, "minute": 46}
